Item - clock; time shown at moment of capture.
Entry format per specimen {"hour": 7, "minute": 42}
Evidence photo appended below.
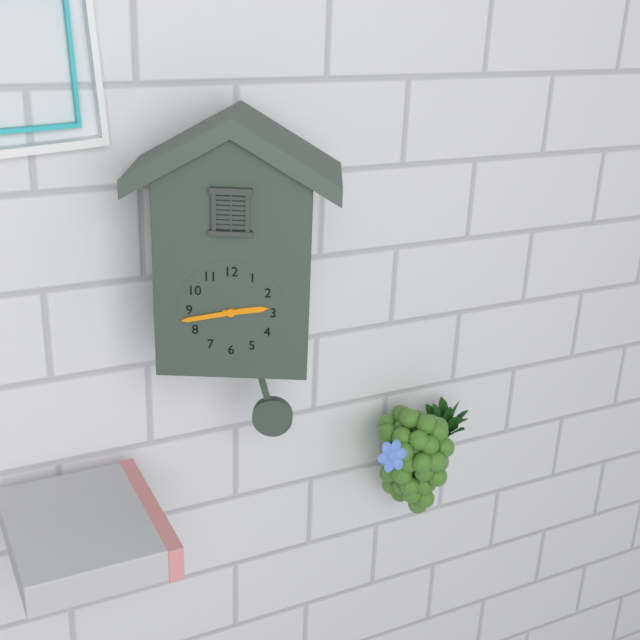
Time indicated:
{"hour": 2, "minute": 43}
